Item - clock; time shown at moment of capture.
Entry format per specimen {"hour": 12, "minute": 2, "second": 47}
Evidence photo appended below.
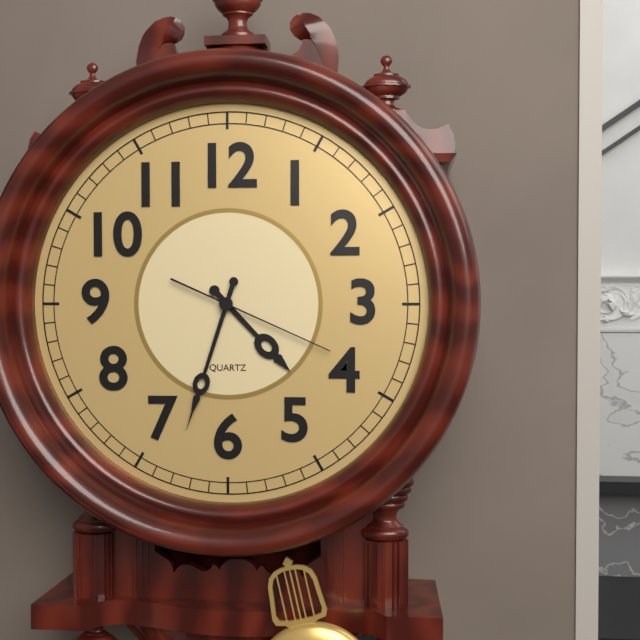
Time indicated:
{"hour": 4, "minute": 33, "second": 19}
